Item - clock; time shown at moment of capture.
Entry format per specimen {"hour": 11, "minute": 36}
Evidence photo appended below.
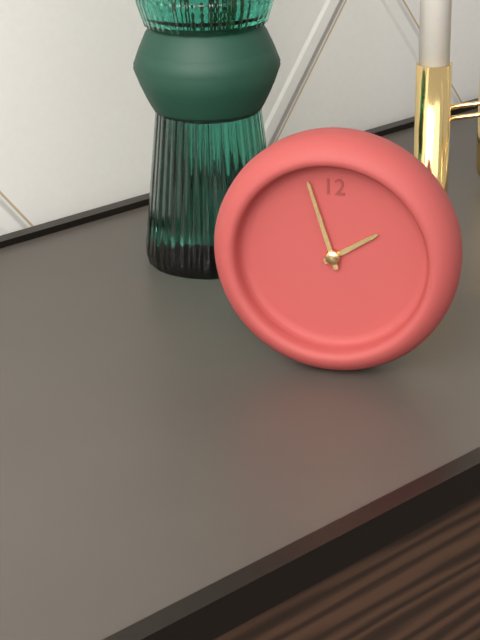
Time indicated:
{"hour": 1, "minute": 57}
